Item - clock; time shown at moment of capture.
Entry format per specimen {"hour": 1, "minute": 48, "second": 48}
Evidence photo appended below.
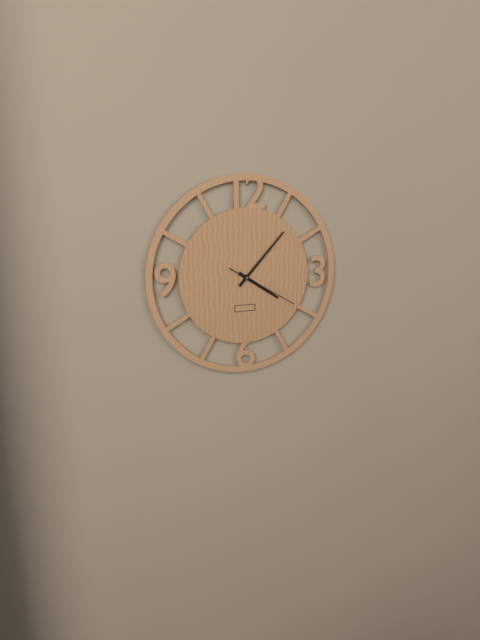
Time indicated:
{"hour": 4, "minute": 7, "second": 20}
